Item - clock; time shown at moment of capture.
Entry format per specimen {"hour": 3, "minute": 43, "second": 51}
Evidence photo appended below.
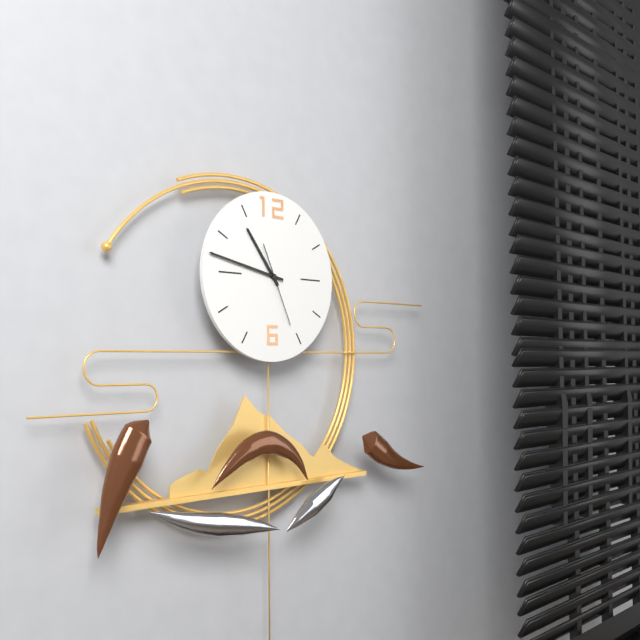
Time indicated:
{"hour": 10, "minute": 47, "second": 26}
